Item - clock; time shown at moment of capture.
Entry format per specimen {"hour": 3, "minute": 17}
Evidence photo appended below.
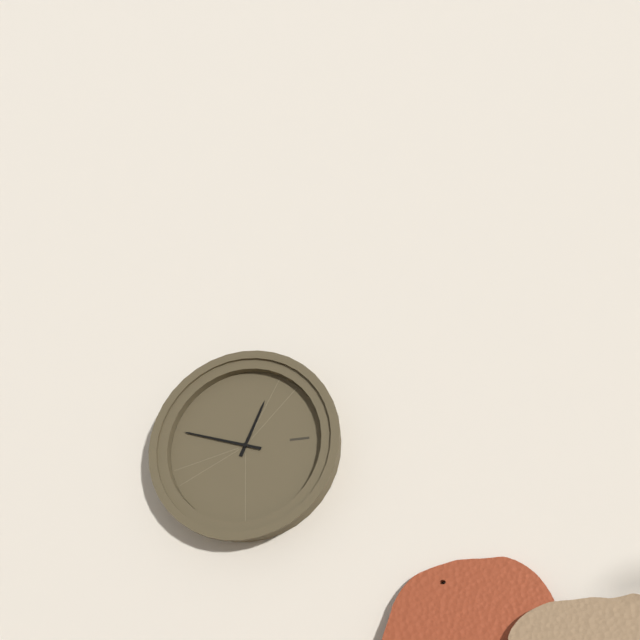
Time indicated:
{"hour": 12, "minute": 48}
